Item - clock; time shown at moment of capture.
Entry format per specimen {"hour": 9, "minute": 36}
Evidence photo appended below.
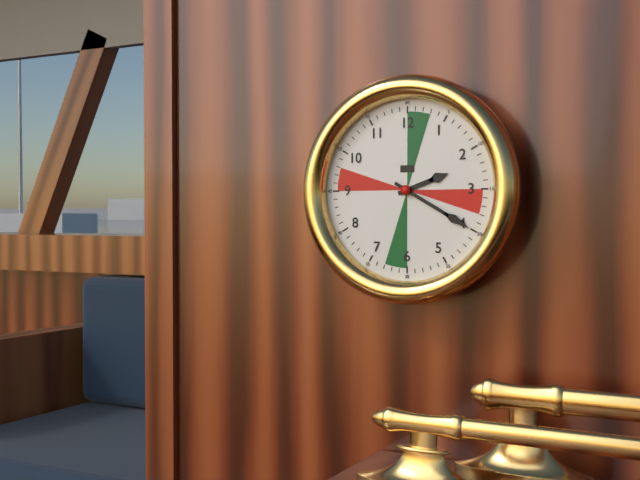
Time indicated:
{"hour": 2, "minute": 20}
